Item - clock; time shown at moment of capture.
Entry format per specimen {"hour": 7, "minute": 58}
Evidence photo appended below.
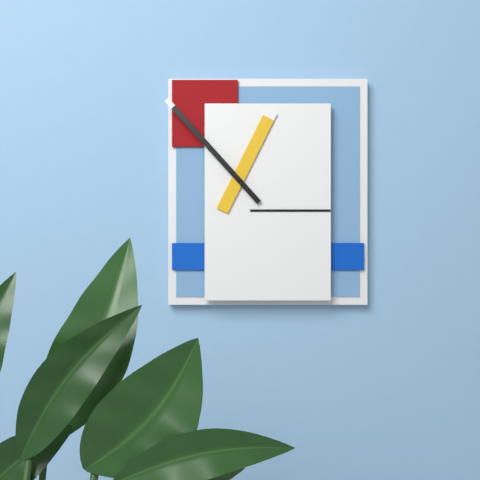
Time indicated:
{"hour": 12, "minute": 53}
